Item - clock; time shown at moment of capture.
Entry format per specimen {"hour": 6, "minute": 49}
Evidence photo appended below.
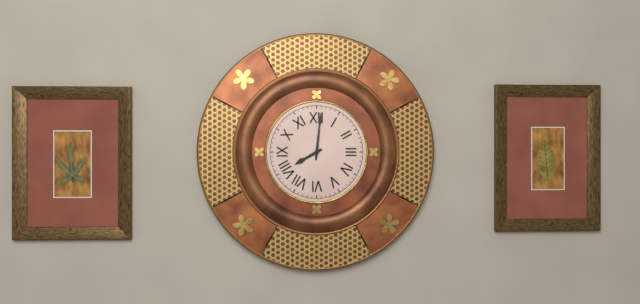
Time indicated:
{"hour": 8, "minute": 1}
